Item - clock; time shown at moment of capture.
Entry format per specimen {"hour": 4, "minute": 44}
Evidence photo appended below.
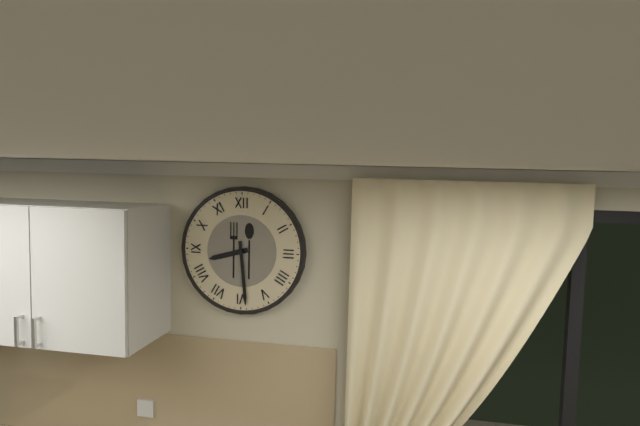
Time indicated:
{"hour": 8, "minute": 29}
